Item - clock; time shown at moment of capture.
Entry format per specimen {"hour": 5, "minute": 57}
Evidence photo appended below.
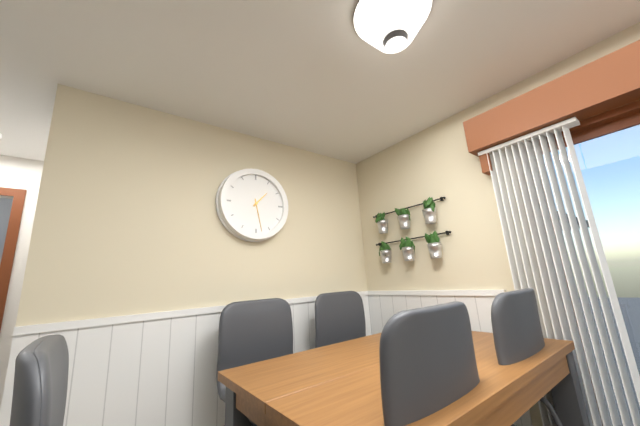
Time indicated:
{"hour": 1, "minute": 28}
